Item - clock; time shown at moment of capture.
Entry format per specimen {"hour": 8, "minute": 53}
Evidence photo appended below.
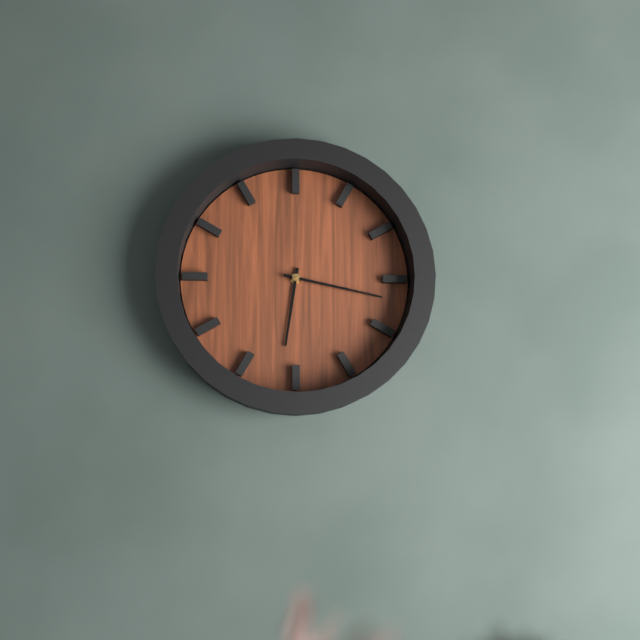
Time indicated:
{"hour": 6, "minute": 17}
